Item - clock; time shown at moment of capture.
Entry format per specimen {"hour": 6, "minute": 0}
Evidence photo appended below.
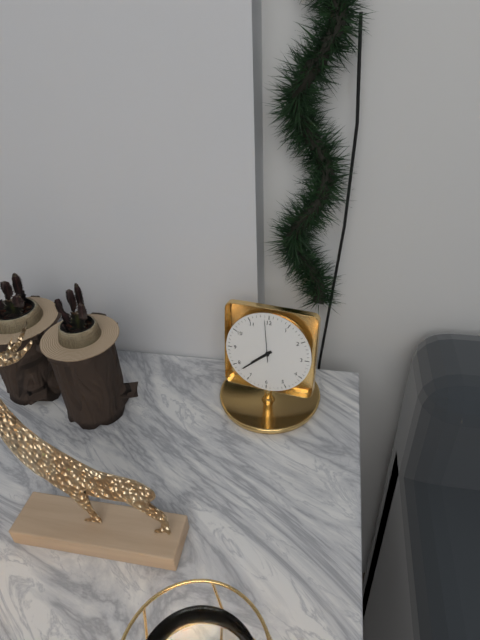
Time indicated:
{"hour": 7, "minute": 38}
